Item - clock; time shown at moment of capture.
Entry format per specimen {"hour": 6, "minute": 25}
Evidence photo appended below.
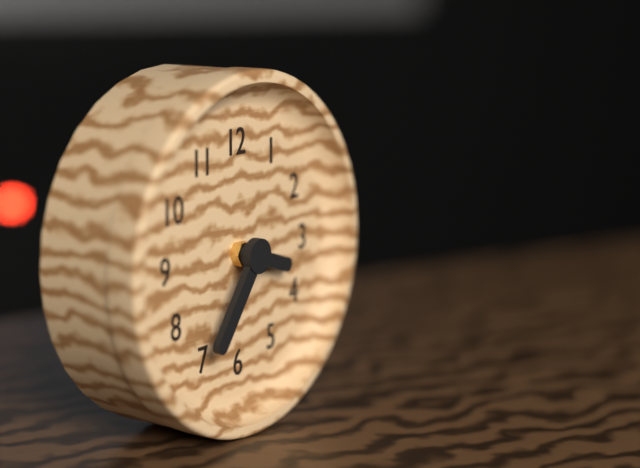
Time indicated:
{"hour": 3, "minute": 36}
